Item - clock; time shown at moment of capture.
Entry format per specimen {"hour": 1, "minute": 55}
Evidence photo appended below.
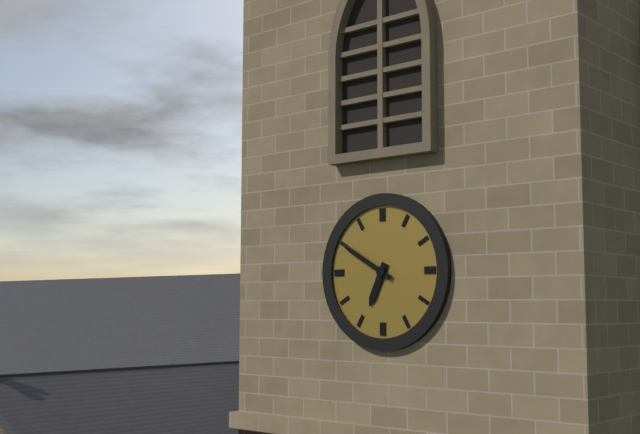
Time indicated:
{"hour": 6, "minute": 50}
